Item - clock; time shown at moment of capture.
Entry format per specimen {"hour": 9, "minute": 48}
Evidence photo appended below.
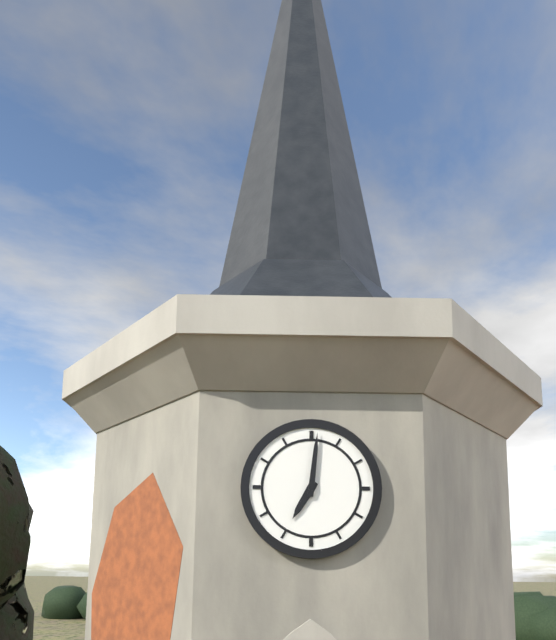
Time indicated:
{"hour": 7, "minute": 1}
